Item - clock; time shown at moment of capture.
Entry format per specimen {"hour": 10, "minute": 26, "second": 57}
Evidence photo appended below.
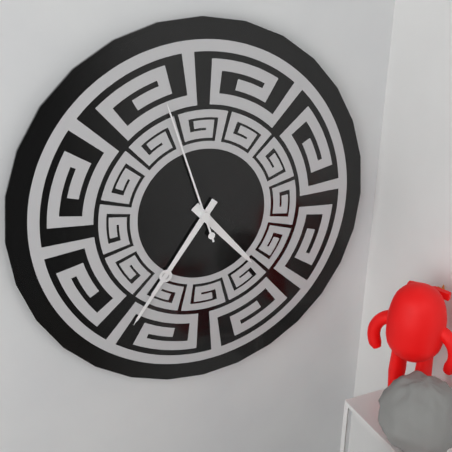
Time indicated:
{"hour": 4, "minute": 36, "second": 57}
